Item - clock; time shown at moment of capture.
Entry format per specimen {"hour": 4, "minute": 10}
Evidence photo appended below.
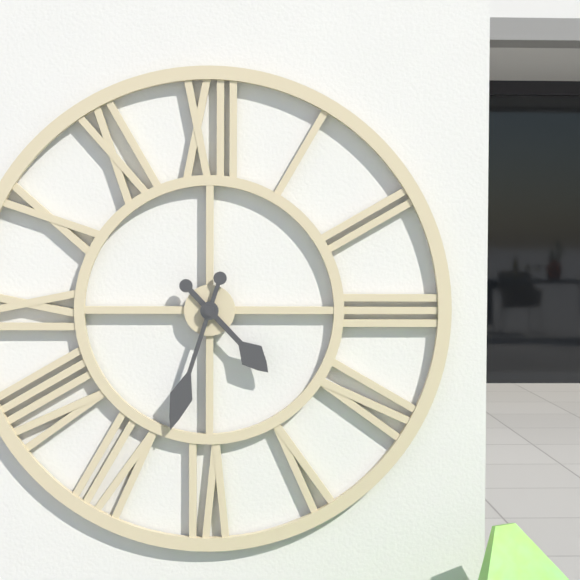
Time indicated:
{"hour": 4, "minute": 33}
